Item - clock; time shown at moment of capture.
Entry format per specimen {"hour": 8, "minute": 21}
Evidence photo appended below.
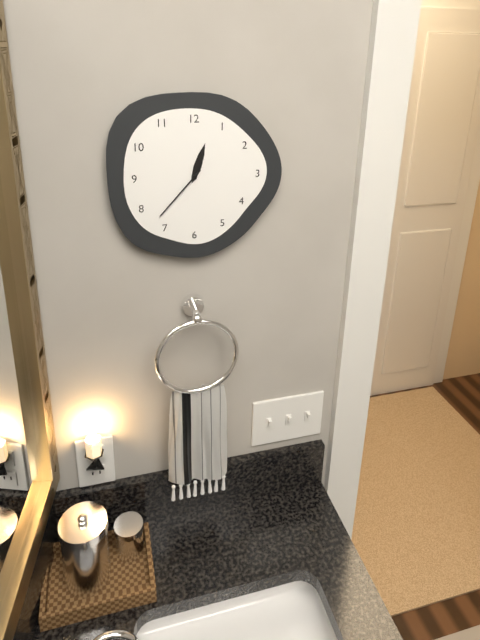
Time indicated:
{"hour": 12, "minute": 37}
